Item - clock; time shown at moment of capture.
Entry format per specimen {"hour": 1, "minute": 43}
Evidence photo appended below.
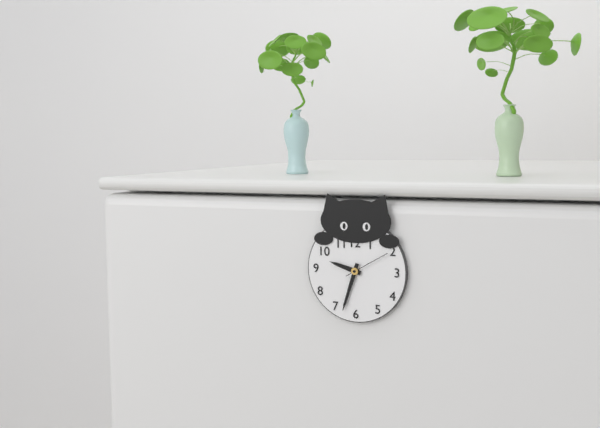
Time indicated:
{"hour": 9, "minute": 33}
